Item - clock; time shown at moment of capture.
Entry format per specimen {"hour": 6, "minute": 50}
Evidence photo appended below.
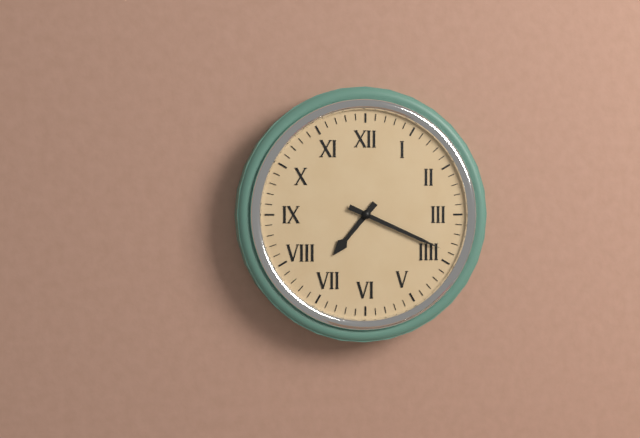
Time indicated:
{"hour": 7, "minute": 19}
